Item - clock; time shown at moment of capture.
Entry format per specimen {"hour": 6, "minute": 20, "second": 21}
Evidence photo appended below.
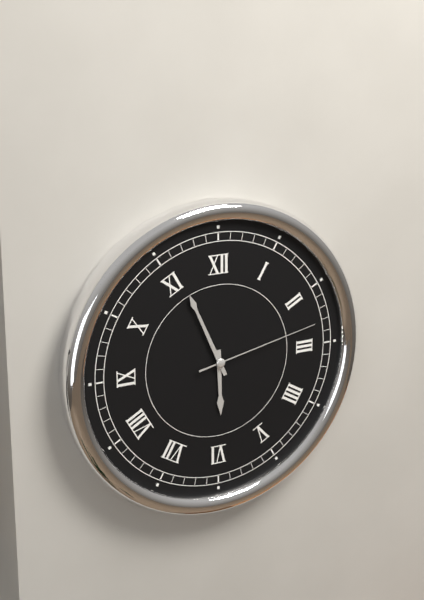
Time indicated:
{"hour": 5, "minute": 56, "second": 13}
